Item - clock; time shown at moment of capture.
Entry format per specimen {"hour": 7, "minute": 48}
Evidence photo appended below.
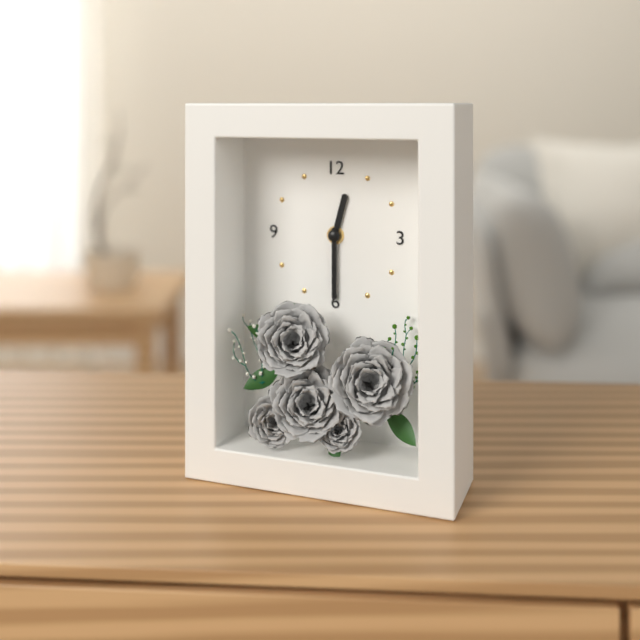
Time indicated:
{"hour": 12, "minute": 30}
